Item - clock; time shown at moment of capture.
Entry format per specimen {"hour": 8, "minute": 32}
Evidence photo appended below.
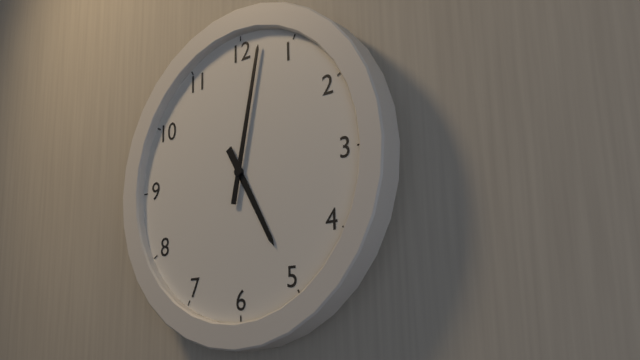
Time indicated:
{"hour": 5, "minute": 2}
